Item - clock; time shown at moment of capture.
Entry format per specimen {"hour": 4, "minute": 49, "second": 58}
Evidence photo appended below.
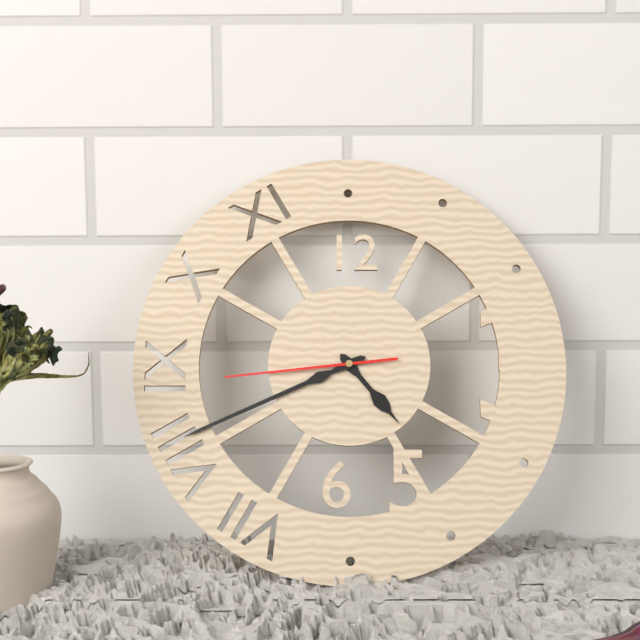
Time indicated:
{"hour": 4, "minute": 41, "second": 44}
